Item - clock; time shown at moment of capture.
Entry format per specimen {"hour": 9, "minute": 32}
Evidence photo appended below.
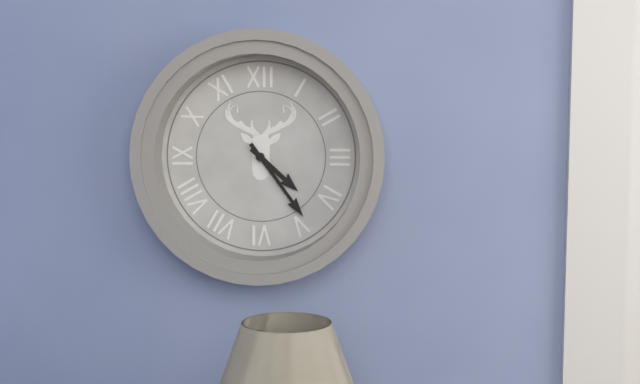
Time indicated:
{"hour": 4, "minute": 24}
